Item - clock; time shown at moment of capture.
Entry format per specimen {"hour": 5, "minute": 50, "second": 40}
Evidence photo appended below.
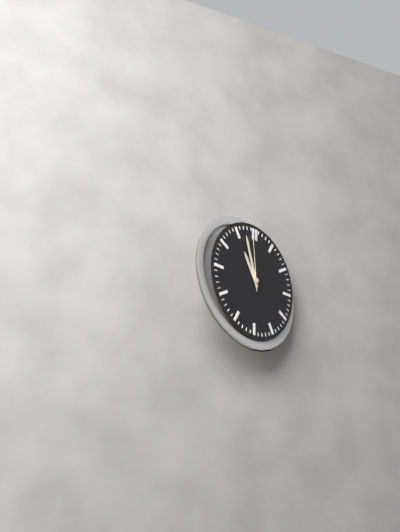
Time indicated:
{"hour": 10, "minute": 57, "second": 59}
